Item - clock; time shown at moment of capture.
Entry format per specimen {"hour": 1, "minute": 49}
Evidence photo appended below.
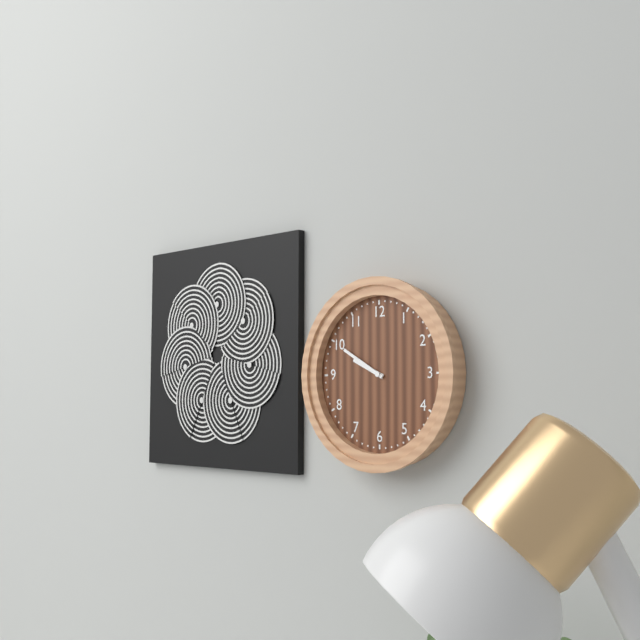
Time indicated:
{"hour": 9, "minute": 50}
